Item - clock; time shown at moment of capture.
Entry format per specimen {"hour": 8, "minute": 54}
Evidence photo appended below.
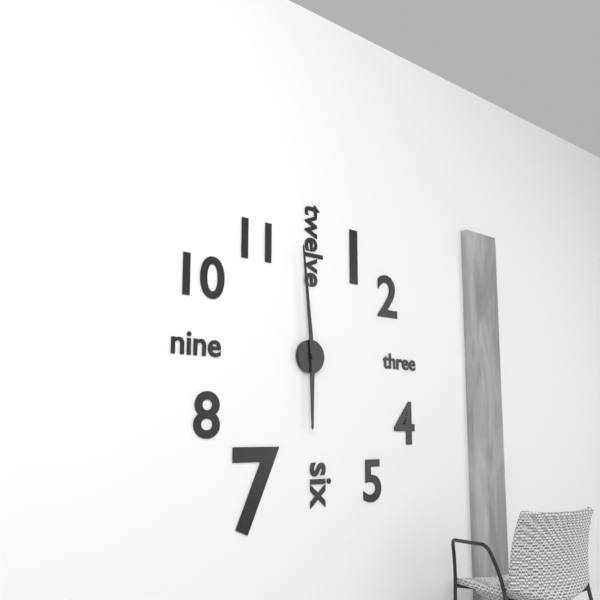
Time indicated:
{"hour": 5, "minute": 59}
